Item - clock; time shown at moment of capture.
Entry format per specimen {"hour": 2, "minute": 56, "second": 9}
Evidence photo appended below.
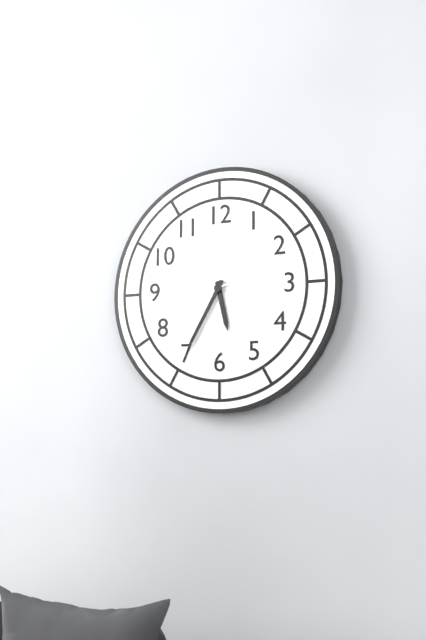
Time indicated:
{"hour": 5, "minute": 35, "second": 42}
